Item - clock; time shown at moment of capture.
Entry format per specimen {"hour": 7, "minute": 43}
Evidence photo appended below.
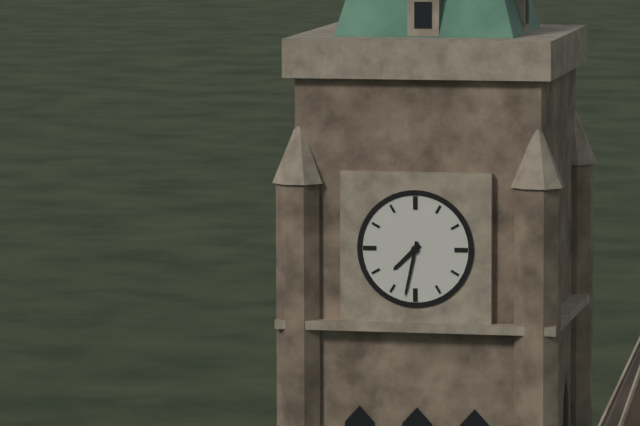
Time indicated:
{"hour": 7, "minute": 32}
